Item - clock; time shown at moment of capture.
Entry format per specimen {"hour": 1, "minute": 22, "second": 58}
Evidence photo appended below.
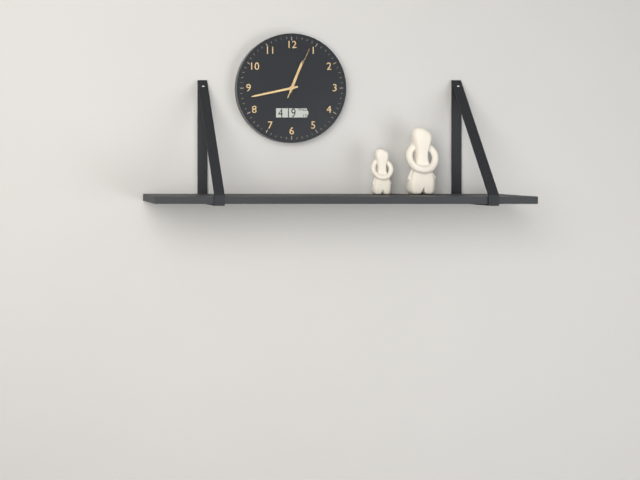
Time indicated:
{"hour": 12, "minute": 43, "second": 4}
